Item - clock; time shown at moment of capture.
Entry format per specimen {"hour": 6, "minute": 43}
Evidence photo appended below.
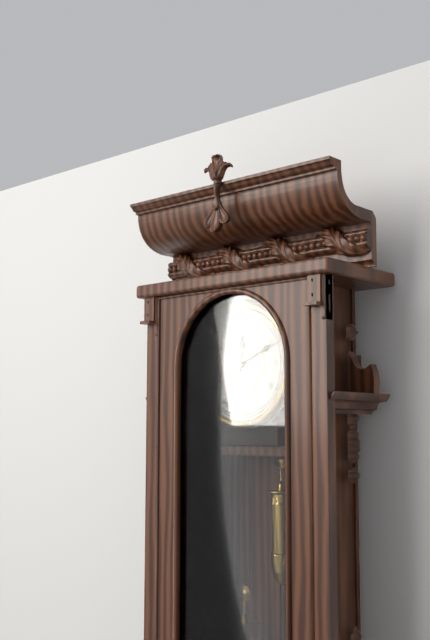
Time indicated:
{"hour": 12, "minute": 11}
